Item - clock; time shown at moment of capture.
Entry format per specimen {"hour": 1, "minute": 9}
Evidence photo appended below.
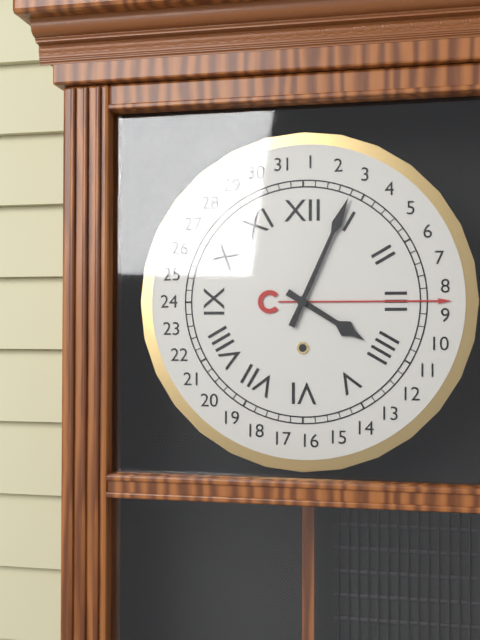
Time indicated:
{"hour": 4, "minute": 4}
